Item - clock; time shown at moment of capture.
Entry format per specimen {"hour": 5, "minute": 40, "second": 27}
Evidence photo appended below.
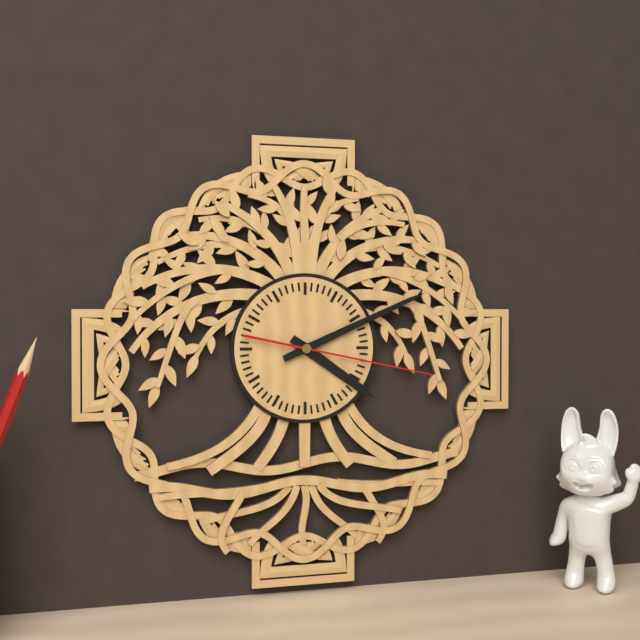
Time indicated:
{"hour": 4, "minute": 11, "second": 17}
